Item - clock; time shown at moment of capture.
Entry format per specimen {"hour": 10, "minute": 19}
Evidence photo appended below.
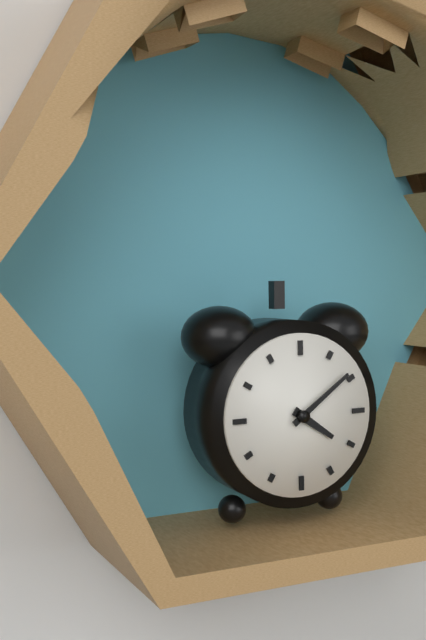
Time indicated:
{"hour": 4, "minute": 9}
